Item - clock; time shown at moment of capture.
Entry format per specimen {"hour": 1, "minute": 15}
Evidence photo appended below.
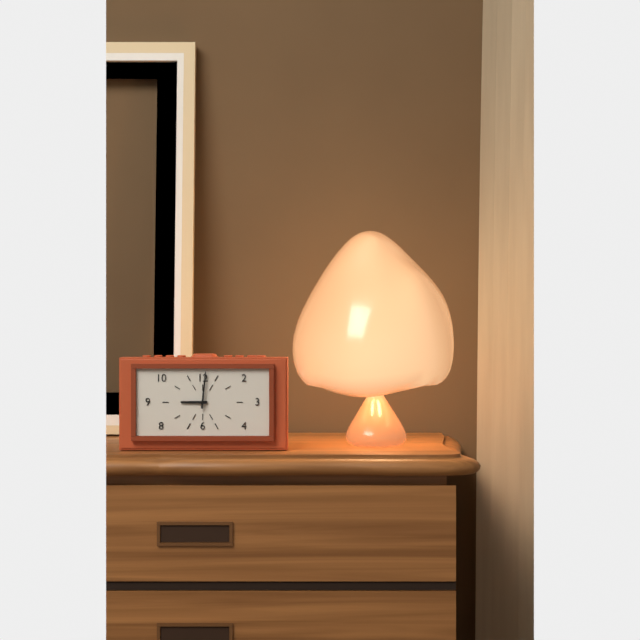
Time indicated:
{"hour": 9, "minute": 1}
